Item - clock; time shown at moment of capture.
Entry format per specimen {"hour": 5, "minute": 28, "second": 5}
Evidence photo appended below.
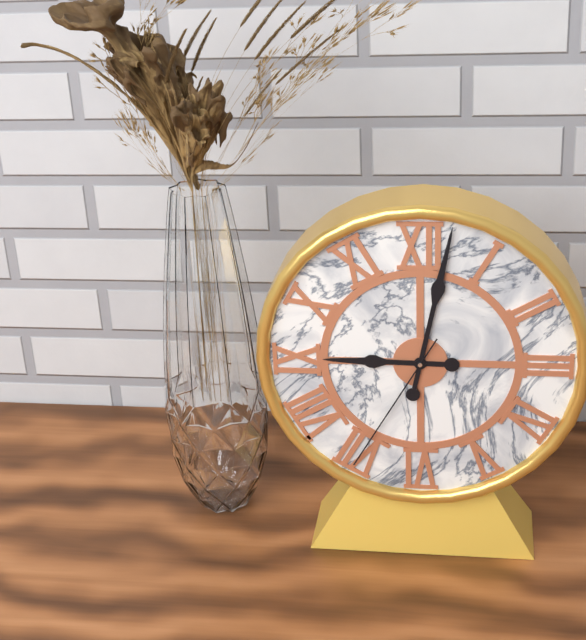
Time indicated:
{"hour": 9, "minute": 2, "second": 35}
